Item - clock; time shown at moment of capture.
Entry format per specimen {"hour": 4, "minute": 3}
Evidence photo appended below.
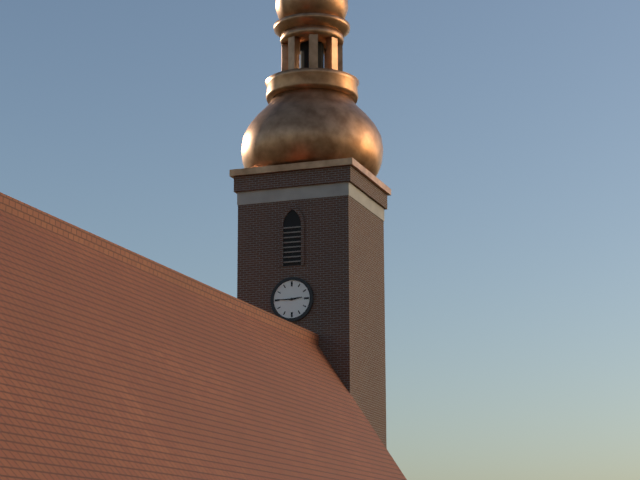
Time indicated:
{"hour": 2, "minute": 45}
